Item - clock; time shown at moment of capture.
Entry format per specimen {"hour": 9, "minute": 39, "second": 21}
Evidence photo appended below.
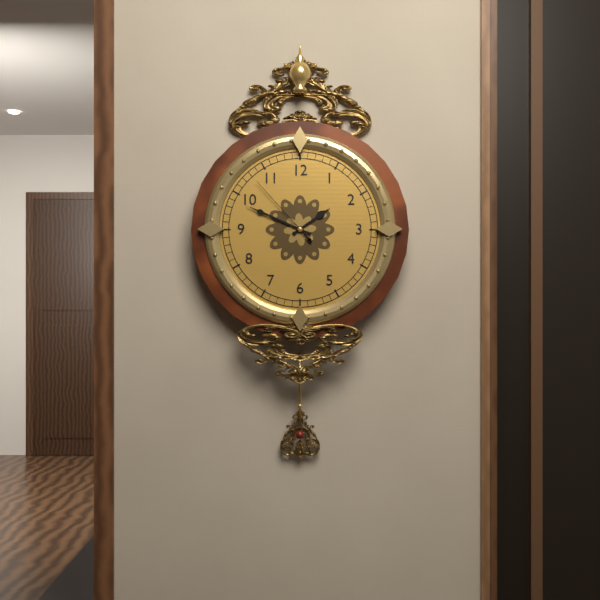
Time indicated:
{"hour": 1, "minute": 49, "second": 53}
